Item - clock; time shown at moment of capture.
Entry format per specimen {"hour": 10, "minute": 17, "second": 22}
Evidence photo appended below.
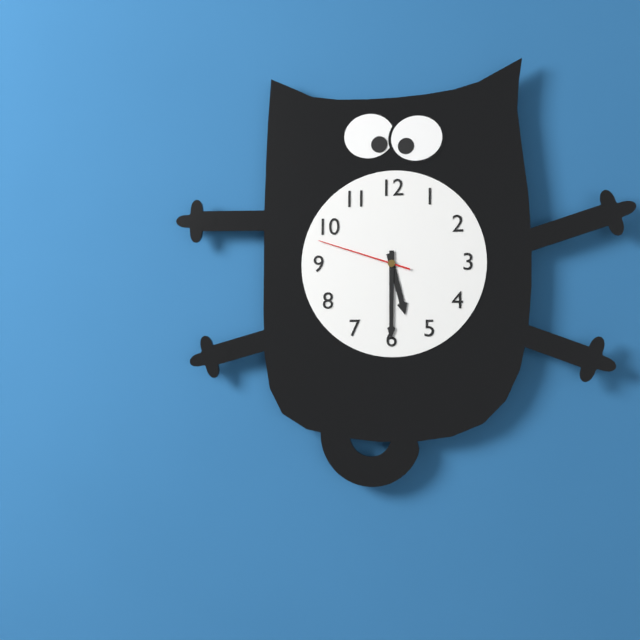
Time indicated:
{"hour": 5, "minute": 30, "second": 48}
